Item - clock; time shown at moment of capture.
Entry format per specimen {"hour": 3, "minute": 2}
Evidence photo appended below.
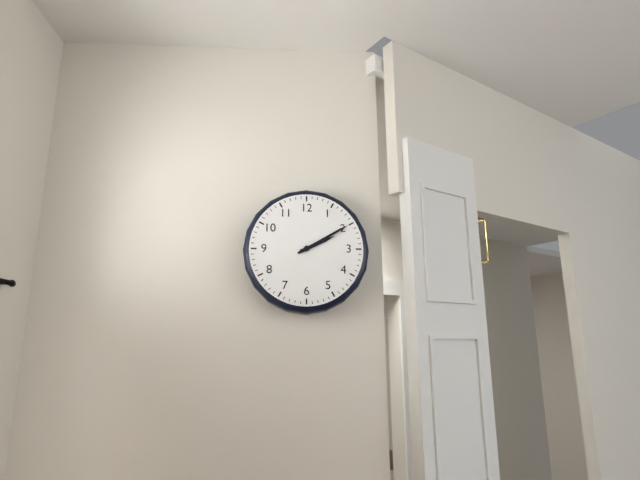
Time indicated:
{"hour": 2, "minute": 10}
